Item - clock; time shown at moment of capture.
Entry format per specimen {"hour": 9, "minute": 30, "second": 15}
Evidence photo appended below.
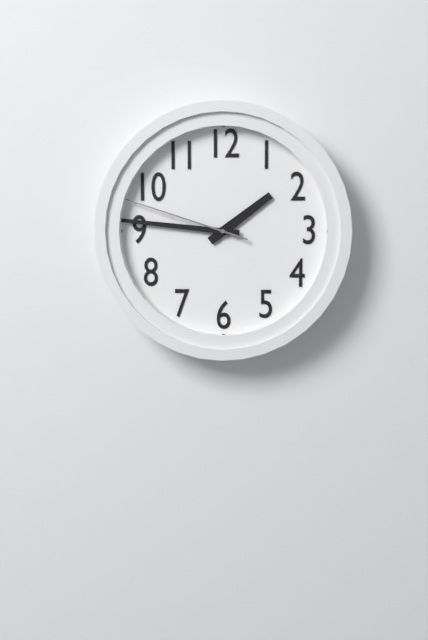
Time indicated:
{"hour": 1, "minute": 46, "second": 48}
